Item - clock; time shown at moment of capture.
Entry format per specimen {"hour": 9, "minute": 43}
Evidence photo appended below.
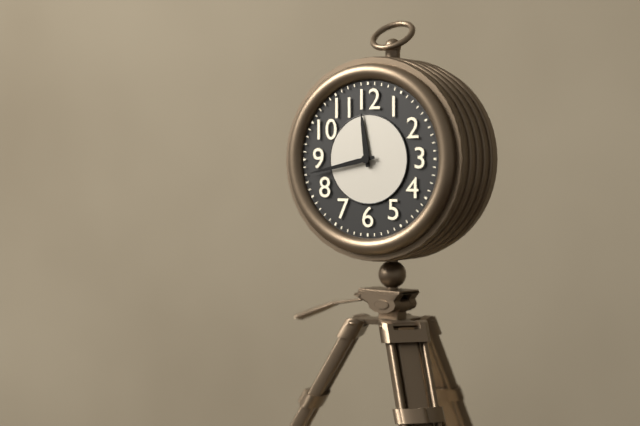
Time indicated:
{"hour": 11, "minute": 43}
